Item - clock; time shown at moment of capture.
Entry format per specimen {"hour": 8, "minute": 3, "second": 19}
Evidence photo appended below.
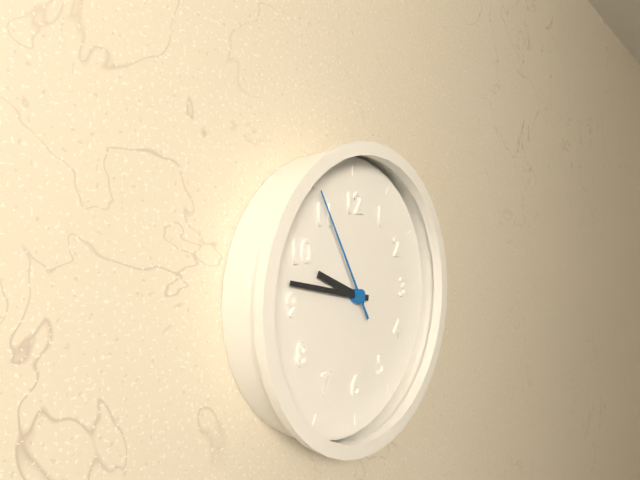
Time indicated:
{"hour": 9, "minute": 47, "second": 55}
